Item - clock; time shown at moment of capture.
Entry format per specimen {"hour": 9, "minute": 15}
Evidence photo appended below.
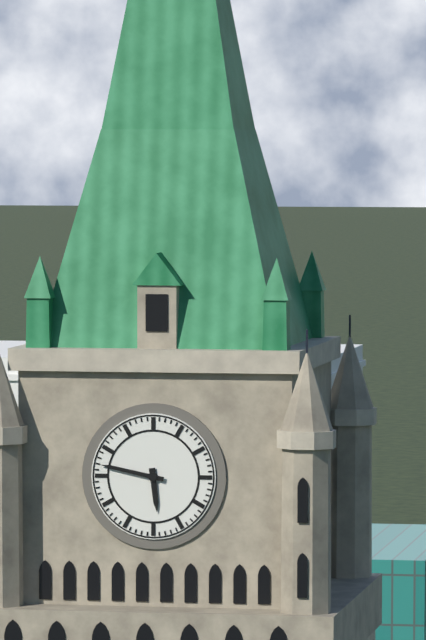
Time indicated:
{"hour": 5, "minute": 47}
